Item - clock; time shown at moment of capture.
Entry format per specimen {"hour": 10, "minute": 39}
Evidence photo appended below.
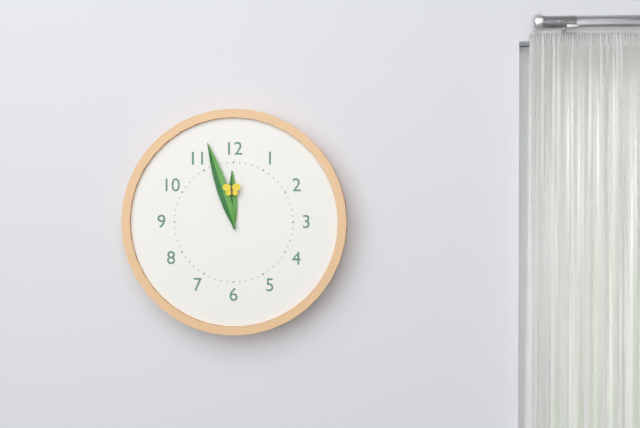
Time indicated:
{"hour": 11, "minute": 57}
